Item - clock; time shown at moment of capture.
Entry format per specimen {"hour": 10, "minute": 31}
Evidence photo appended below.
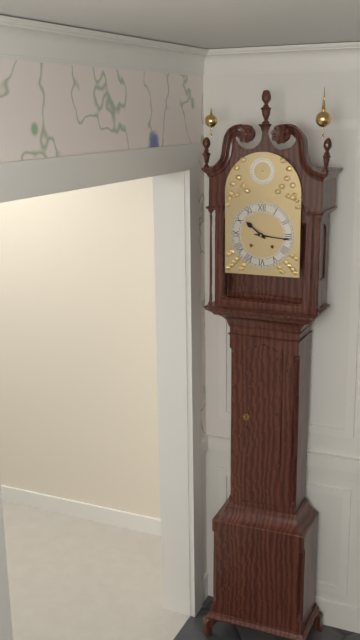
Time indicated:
{"hour": 10, "minute": 16}
